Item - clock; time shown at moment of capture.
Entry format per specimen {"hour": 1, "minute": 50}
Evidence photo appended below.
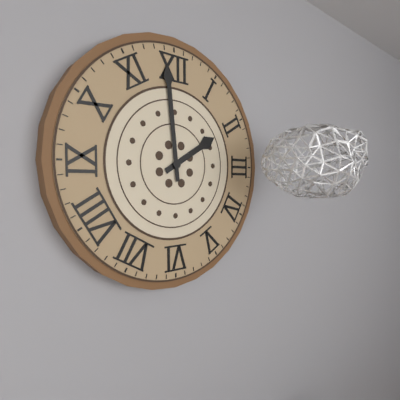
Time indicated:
{"hour": 1, "minute": 59}
